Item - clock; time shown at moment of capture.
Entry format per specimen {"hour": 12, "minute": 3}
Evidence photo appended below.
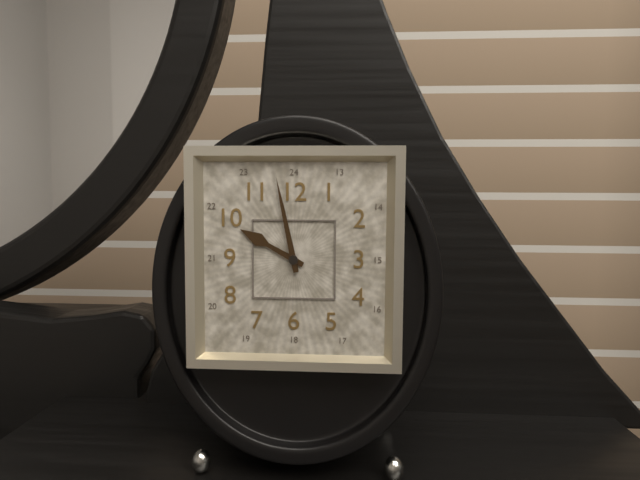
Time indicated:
{"hour": 9, "minute": 58}
